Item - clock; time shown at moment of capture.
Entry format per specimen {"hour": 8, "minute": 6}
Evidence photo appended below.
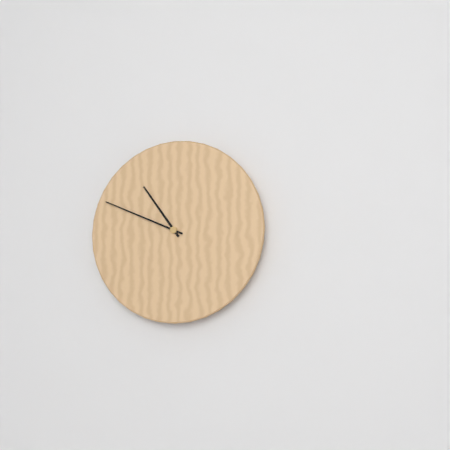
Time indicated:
{"hour": 10, "minute": 49}
